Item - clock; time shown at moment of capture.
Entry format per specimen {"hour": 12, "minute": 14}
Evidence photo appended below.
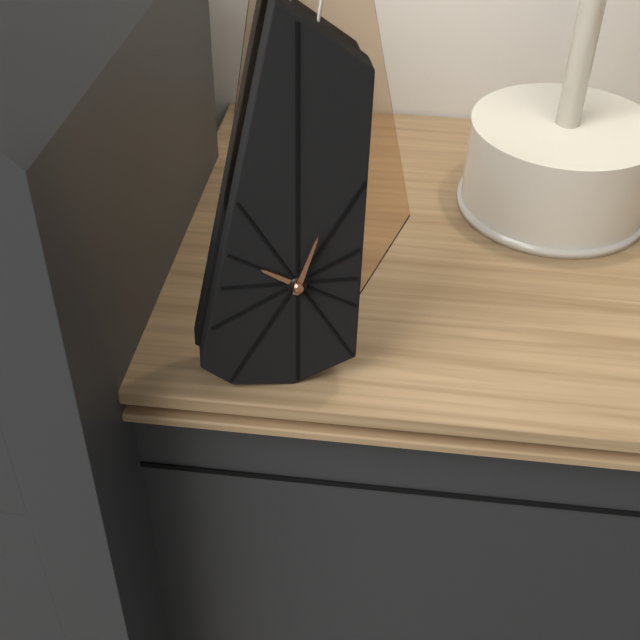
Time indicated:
{"hour": 10, "minute": 3}
